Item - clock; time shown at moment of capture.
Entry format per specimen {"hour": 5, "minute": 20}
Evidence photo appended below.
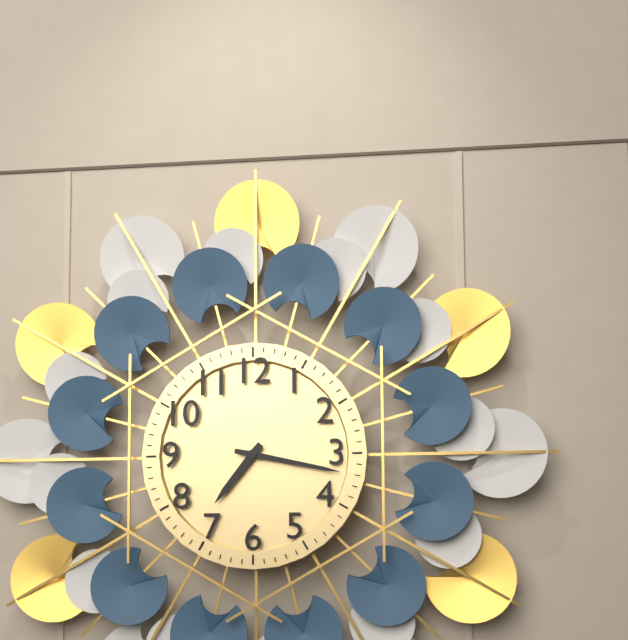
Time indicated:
{"hour": 7, "minute": 17}
